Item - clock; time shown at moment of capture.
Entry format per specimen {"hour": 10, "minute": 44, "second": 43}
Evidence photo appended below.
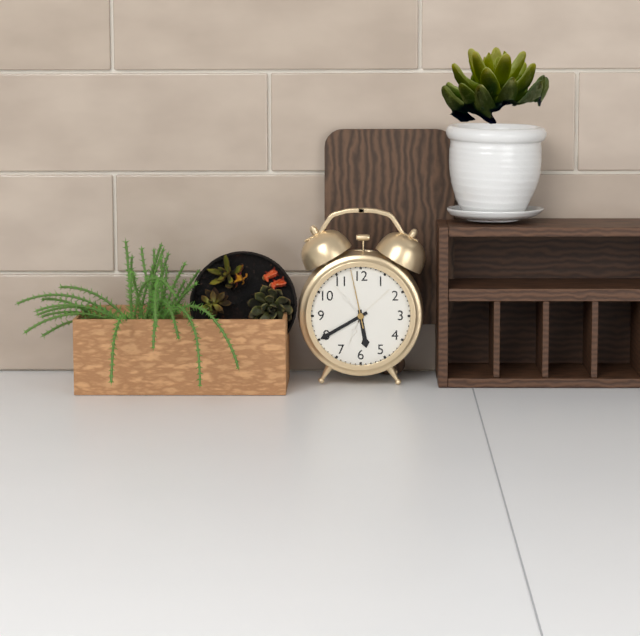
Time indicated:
{"hour": 5, "minute": 40, "second": 58}
